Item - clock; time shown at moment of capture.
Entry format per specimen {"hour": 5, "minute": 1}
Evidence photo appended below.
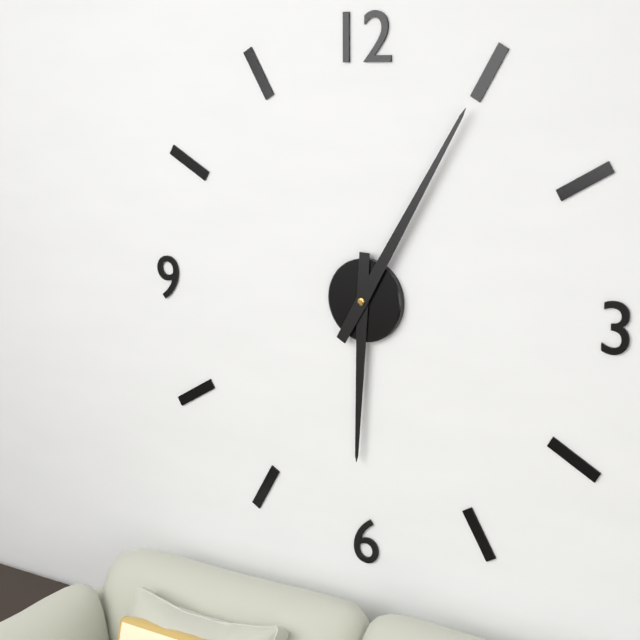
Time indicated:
{"hour": 6, "minute": 5}
